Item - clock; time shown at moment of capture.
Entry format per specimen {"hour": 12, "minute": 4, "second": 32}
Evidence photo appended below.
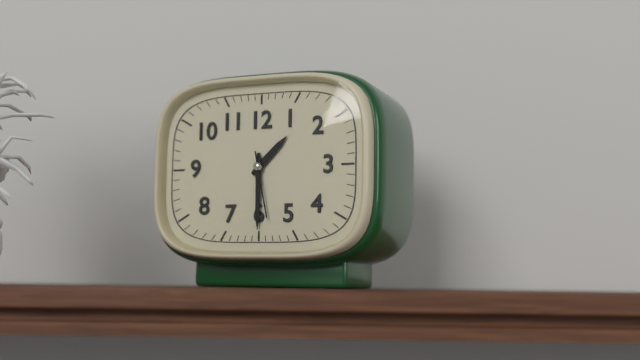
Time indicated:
{"hour": 1, "minute": 30, "second": 28}
